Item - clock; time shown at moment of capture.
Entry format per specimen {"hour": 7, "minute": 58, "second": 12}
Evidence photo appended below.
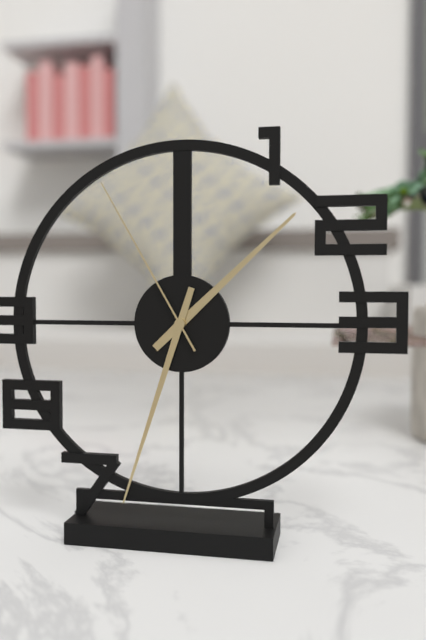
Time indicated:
{"hour": 1, "minute": 33, "second": 55}
